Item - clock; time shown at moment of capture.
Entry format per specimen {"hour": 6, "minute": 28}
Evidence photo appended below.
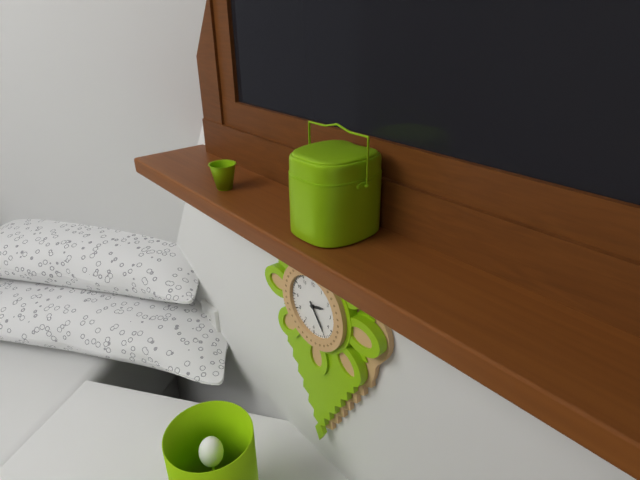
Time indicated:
{"hour": 2, "minute": 24}
